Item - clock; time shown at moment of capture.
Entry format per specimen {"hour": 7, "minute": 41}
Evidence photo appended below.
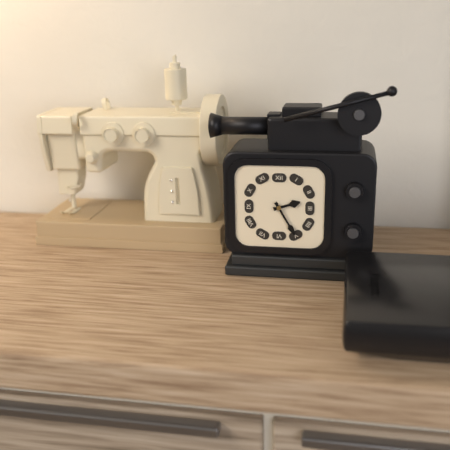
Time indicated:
{"hour": 2, "minute": 25}
